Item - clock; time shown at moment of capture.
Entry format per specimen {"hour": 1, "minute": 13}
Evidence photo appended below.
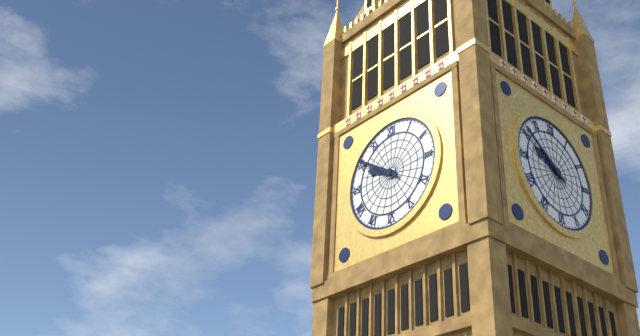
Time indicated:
{"hour": 9, "minute": 51}
